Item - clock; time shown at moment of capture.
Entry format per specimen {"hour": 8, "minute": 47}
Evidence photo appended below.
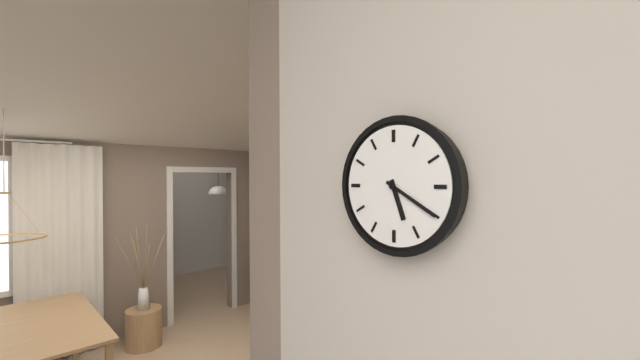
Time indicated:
{"hour": 5, "minute": 20}
